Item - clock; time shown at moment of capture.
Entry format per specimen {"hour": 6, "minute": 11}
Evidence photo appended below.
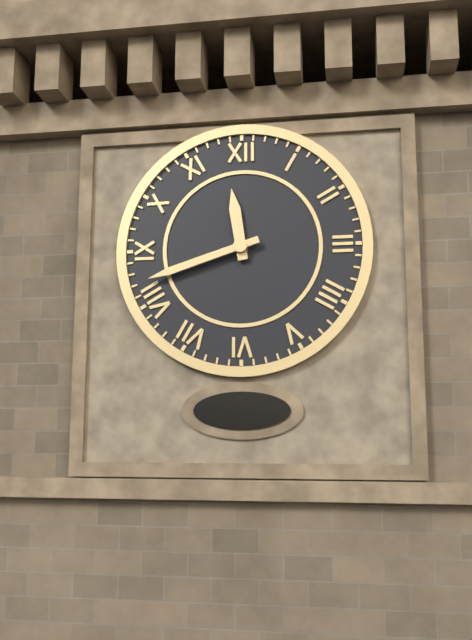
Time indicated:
{"hour": 11, "minute": 42}
